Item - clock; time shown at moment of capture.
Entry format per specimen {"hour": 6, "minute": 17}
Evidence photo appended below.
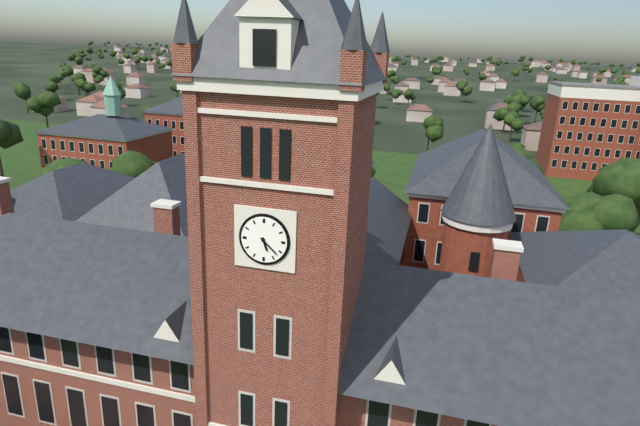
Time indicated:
{"hour": 5, "minute": 22}
